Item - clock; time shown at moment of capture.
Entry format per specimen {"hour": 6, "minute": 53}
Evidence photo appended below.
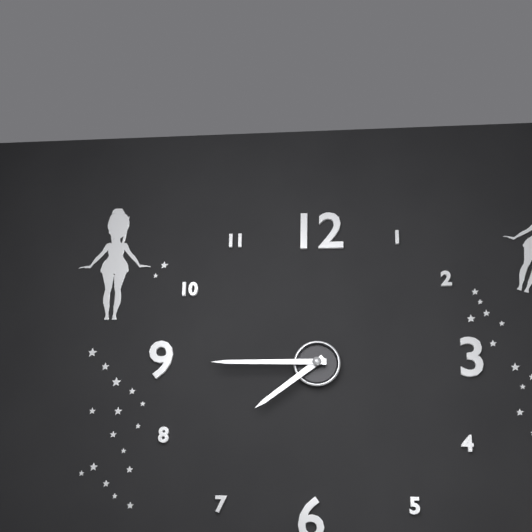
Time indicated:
{"hour": 7, "minute": 45}
